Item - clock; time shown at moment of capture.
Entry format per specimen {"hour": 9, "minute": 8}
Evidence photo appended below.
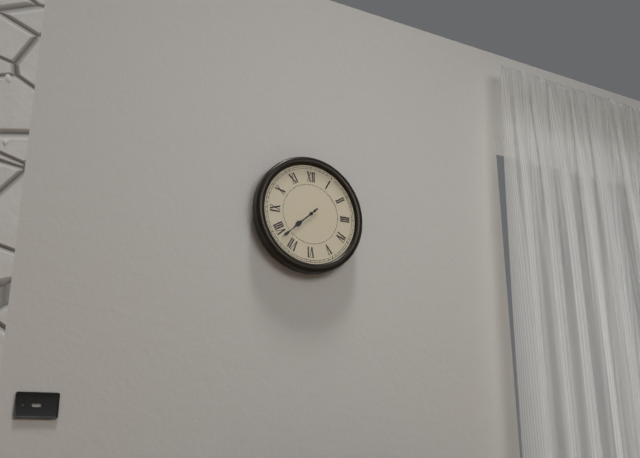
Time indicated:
{"hour": 7, "minute": 38}
